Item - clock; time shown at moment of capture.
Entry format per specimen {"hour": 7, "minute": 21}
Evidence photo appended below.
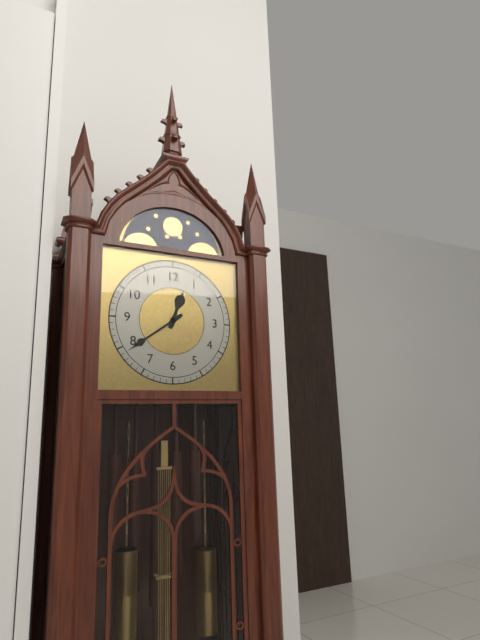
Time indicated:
{"hour": 12, "minute": 39}
